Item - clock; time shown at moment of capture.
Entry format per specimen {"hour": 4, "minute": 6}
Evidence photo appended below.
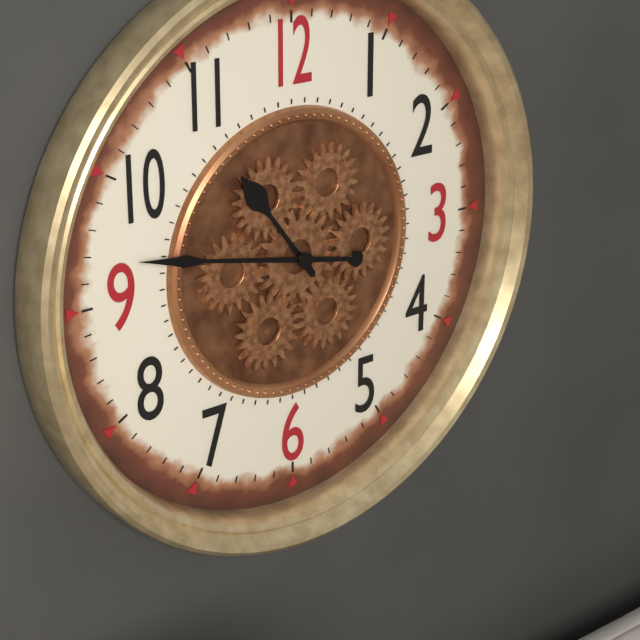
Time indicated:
{"hour": 10, "minute": 47}
